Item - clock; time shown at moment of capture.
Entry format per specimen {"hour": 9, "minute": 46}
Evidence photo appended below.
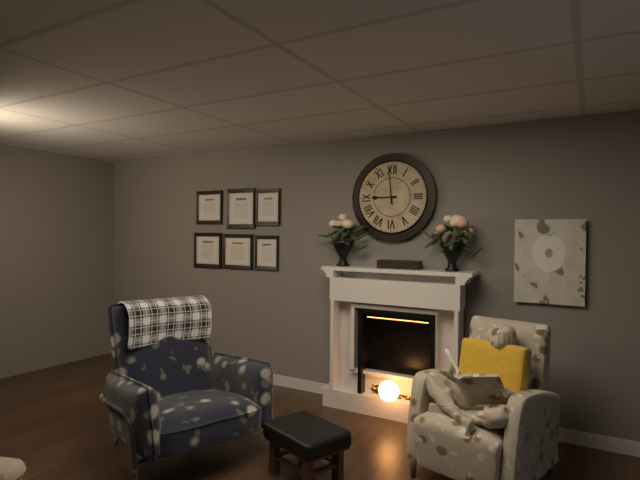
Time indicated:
{"hour": 8, "minute": 59}
